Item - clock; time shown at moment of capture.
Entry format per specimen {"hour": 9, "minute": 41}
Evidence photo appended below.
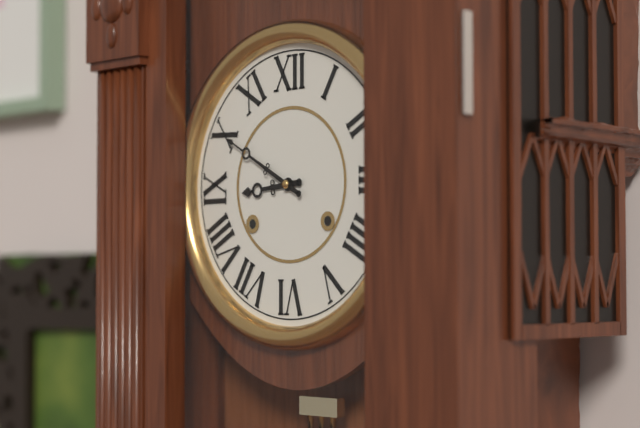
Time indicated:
{"hour": 8, "minute": 50}
